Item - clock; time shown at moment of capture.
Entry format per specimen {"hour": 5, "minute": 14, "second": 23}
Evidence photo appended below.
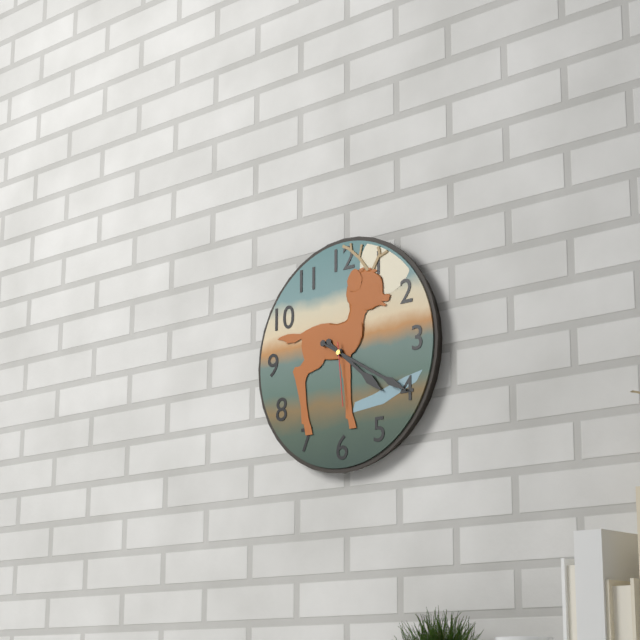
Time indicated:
{"hour": 4, "minute": 20, "second": 29}
